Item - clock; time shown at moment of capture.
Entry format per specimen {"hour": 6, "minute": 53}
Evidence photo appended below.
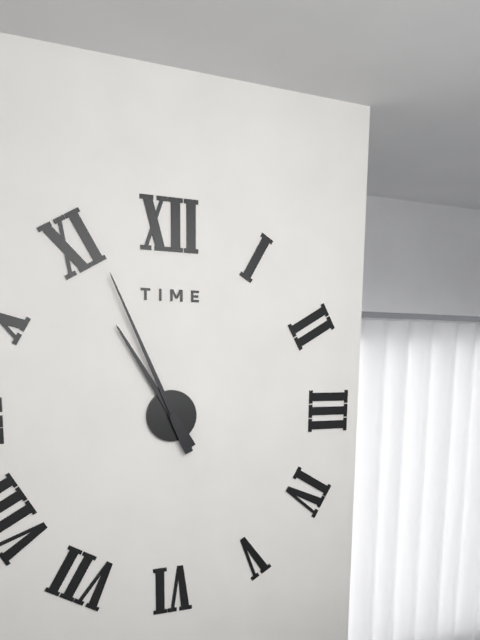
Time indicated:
{"hour": 10, "minute": 56}
